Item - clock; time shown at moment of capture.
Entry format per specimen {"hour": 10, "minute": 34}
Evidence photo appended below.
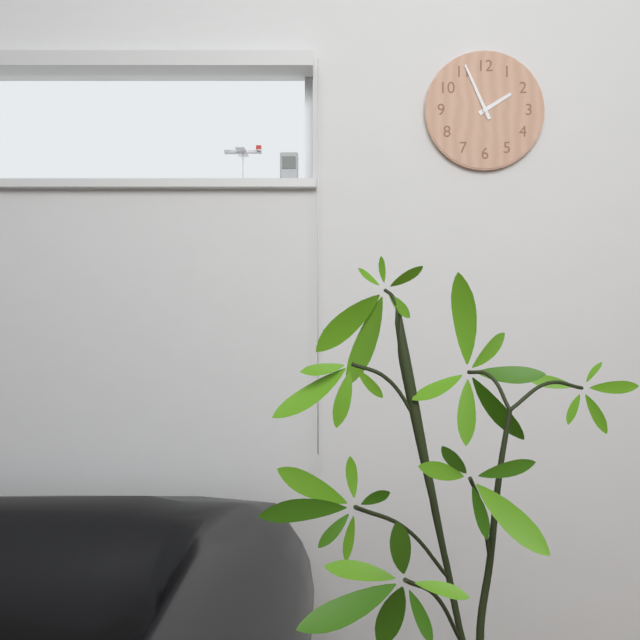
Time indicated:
{"hour": 1, "minute": 56}
